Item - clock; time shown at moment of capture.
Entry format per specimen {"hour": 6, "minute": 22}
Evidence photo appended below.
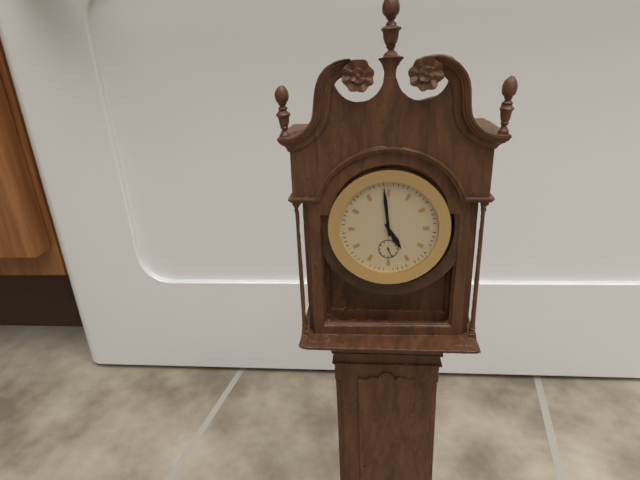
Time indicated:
{"hour": 4, "minute": 59}
